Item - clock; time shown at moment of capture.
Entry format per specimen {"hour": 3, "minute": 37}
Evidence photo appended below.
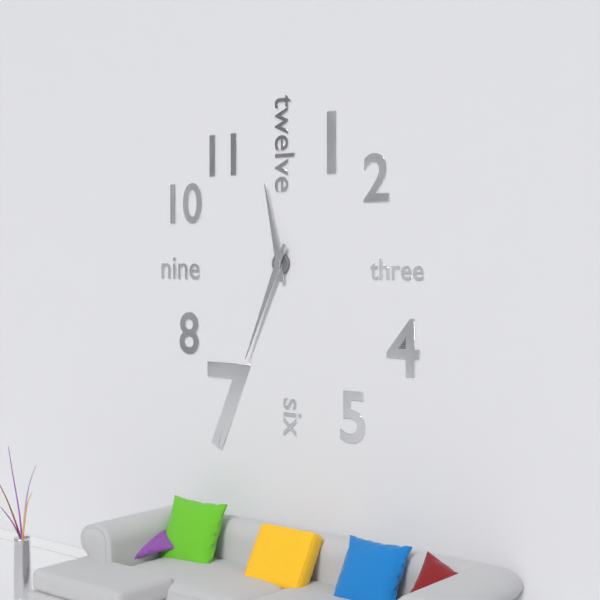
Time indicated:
{"hour": 11, "minute": 34}
